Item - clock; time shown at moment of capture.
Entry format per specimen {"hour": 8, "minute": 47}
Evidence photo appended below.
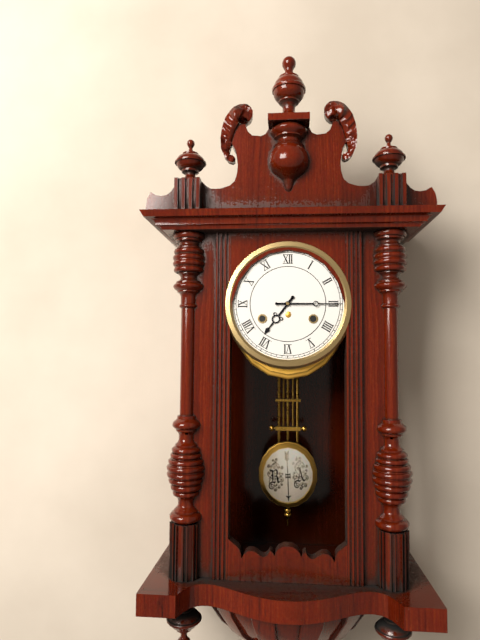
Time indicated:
{"hour": 7, "minute": 15}
